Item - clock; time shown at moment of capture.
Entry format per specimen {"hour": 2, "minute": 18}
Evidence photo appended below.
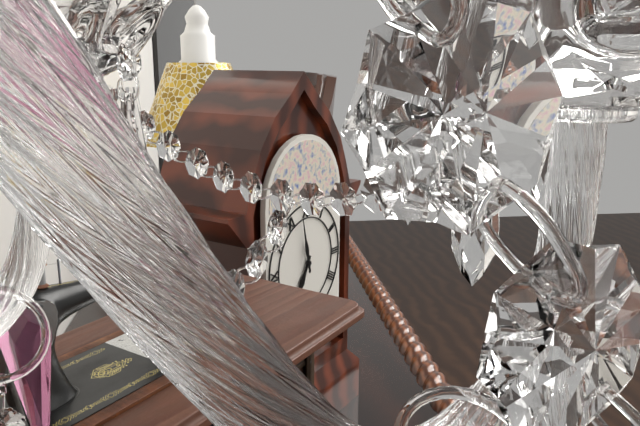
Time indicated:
{"hour": 6, "minute": 58}
